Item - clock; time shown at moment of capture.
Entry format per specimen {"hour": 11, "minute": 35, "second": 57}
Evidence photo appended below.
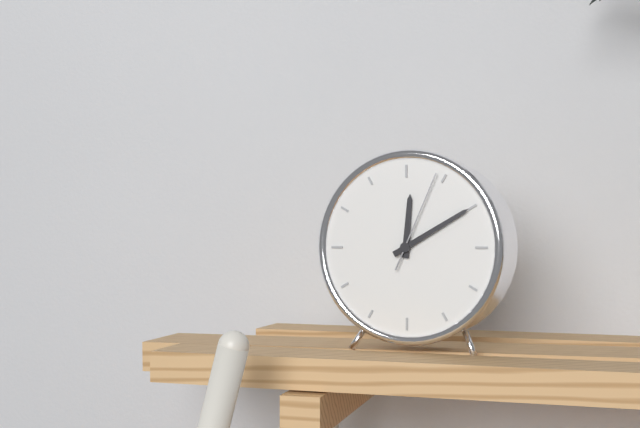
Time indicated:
{"hour": 12, "minute": 10, "second": 4}
